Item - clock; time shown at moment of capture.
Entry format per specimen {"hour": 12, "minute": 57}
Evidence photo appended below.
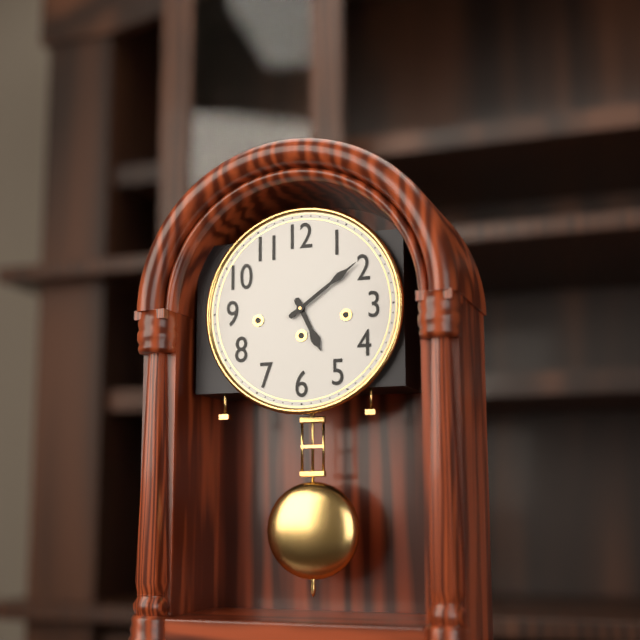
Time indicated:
{"hour": 5, "minute": 9}
